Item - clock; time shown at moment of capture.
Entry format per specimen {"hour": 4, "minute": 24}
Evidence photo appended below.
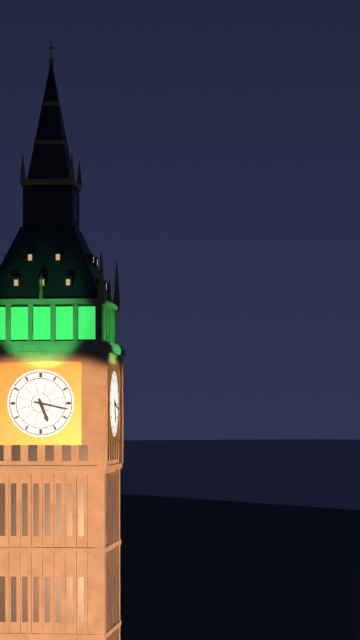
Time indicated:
{"hour": 5, "minute": 17}
